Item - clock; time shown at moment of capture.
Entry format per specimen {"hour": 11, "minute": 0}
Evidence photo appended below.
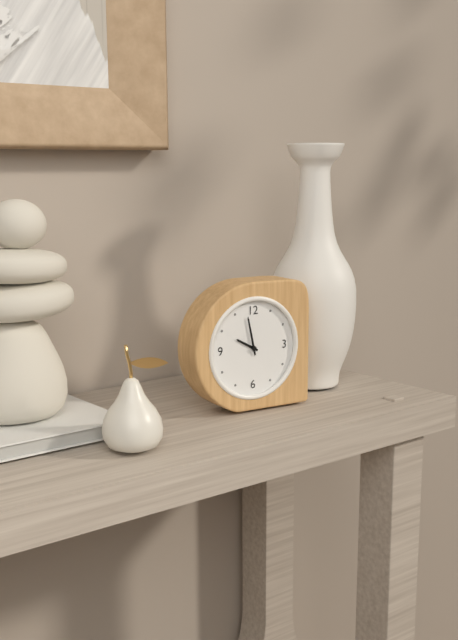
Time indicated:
{"hour": 9, "minute": 58}
